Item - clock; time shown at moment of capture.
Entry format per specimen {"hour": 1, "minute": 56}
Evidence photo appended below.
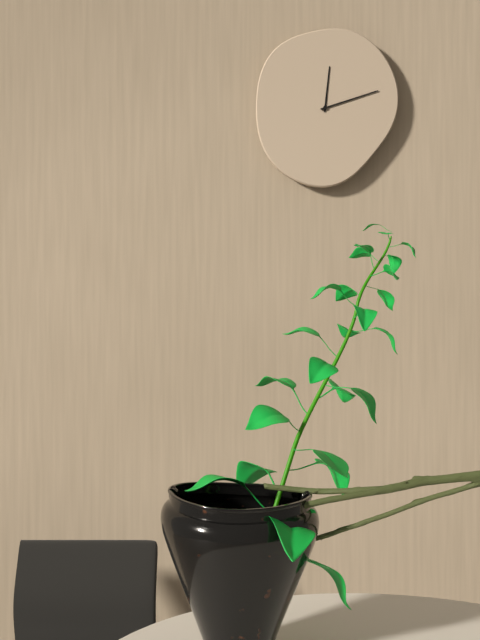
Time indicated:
{"hour": 12, "minute": 12}
